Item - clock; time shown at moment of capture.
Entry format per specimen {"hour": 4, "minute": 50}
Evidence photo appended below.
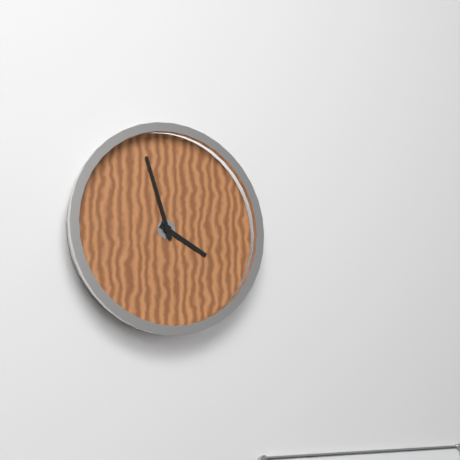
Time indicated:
{"hour": 3, "minute": 57}
